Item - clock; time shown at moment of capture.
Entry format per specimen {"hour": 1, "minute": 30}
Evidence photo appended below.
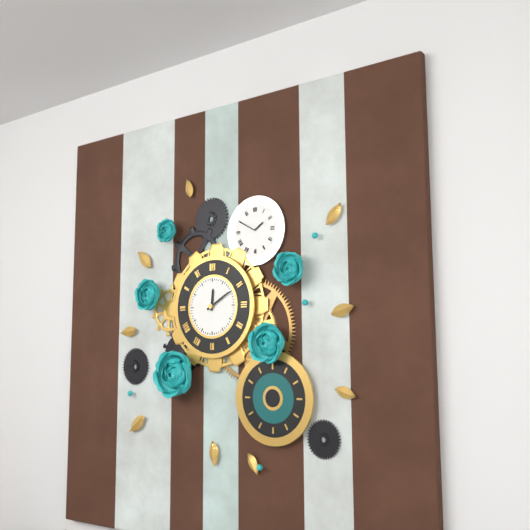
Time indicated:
{"hour": 12, "minute": 10}
